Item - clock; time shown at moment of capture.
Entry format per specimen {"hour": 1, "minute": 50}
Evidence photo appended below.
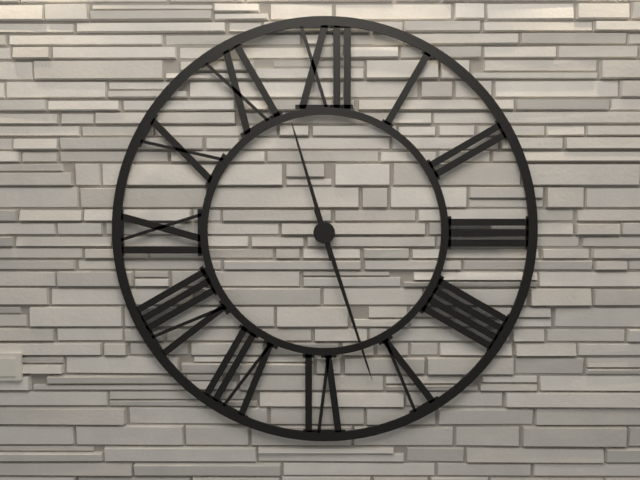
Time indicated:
{"hour": 11, "minute": 27}
